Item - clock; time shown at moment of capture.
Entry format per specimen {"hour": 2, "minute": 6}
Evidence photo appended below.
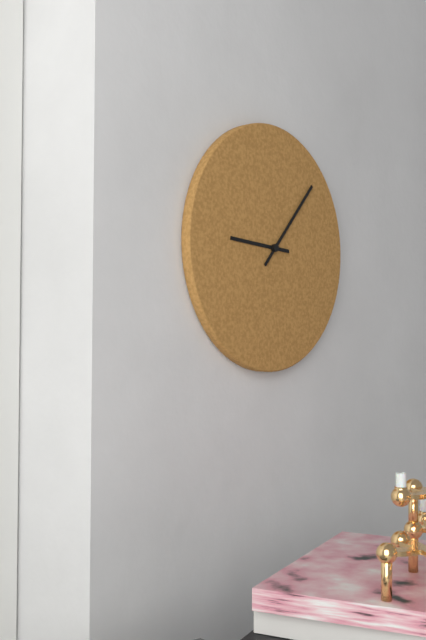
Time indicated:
{"hour": 9, "minute": 7}
